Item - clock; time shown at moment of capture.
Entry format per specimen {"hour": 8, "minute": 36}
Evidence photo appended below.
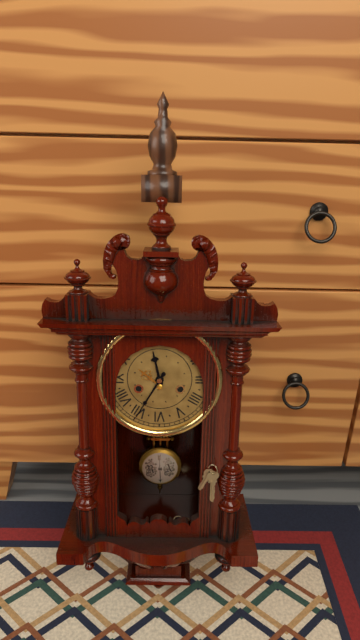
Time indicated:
{"hour": 11, "minute": 35}
